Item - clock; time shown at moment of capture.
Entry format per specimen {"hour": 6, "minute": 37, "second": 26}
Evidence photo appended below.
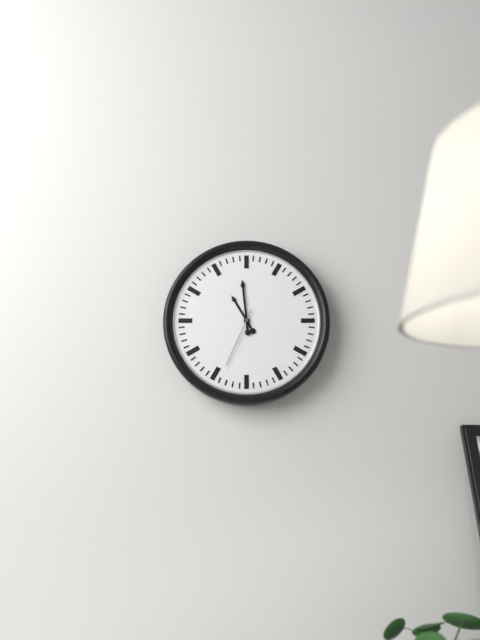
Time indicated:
{"hour": 10, "minute": 59, "second": 34}
